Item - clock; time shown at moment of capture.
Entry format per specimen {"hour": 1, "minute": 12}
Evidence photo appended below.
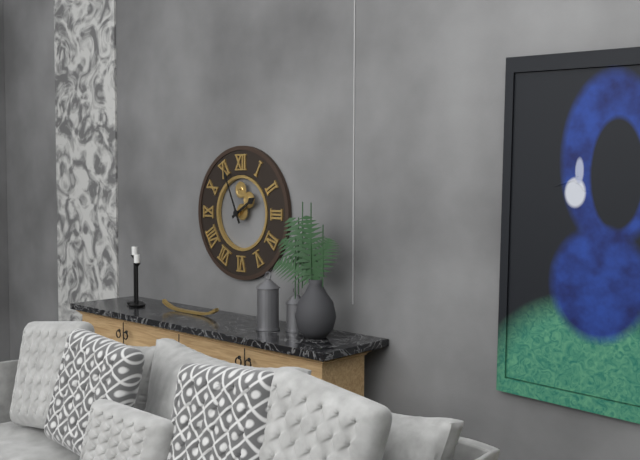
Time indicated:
{"hour": 1, "minute": 56}
